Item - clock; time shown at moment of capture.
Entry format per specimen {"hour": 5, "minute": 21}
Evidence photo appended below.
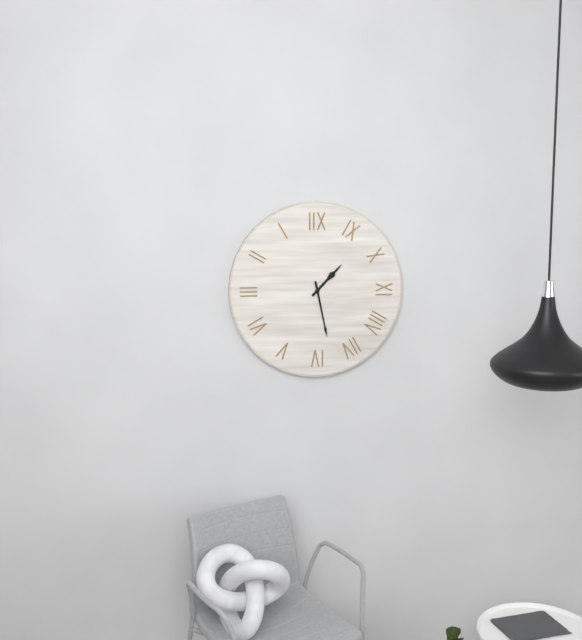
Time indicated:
{"hour": 1, "minute": 28}
